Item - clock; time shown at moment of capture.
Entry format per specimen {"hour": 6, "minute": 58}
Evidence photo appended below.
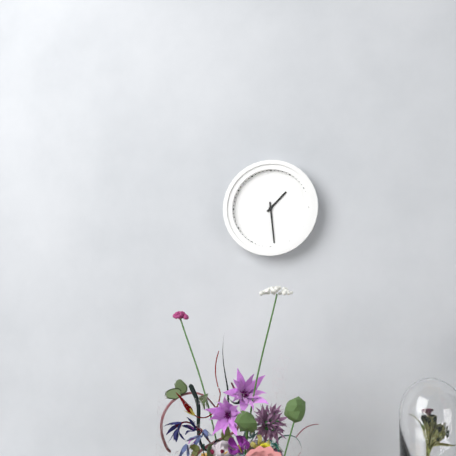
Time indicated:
{"hour": 1, "minute": 29}
